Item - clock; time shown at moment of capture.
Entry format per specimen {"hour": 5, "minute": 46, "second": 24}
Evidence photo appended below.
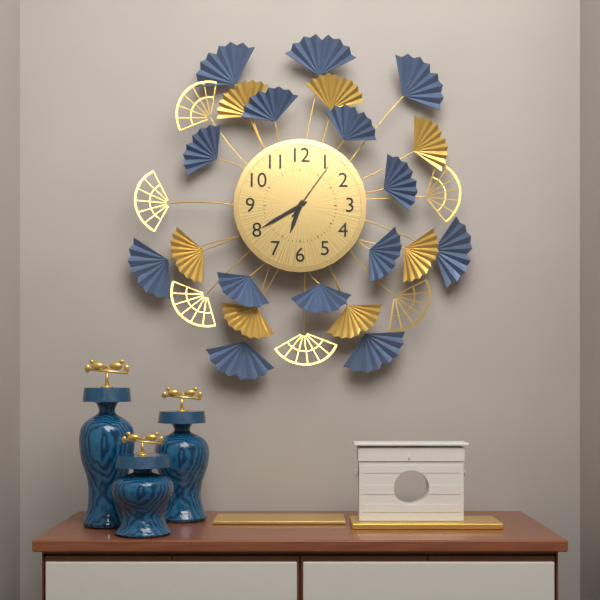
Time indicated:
{"hour": 6, "minute": 40, "second": 6}
